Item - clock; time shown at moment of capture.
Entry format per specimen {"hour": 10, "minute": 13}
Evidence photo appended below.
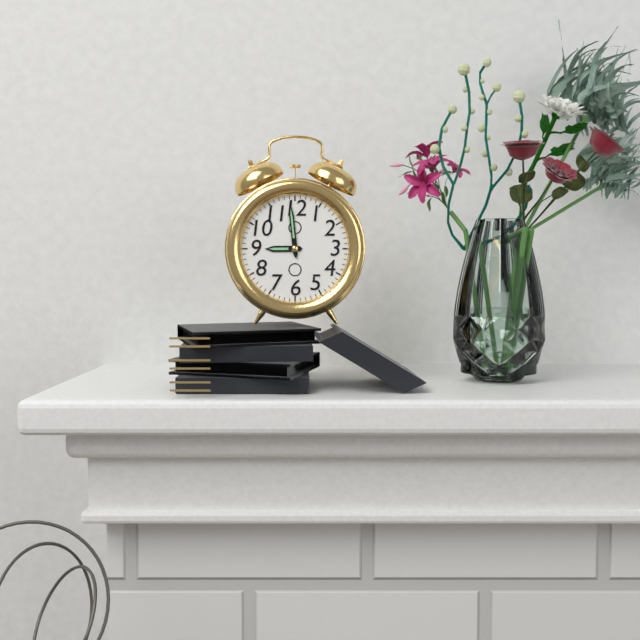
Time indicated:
{"hour": 8, "minute": 59}
